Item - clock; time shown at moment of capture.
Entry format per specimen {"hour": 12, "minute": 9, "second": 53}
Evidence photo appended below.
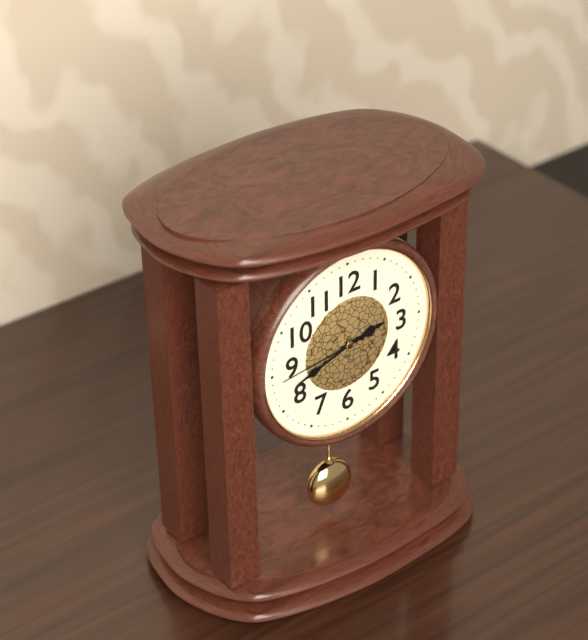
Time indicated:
{"hour": 2, "minute": 42, "second": 44}
